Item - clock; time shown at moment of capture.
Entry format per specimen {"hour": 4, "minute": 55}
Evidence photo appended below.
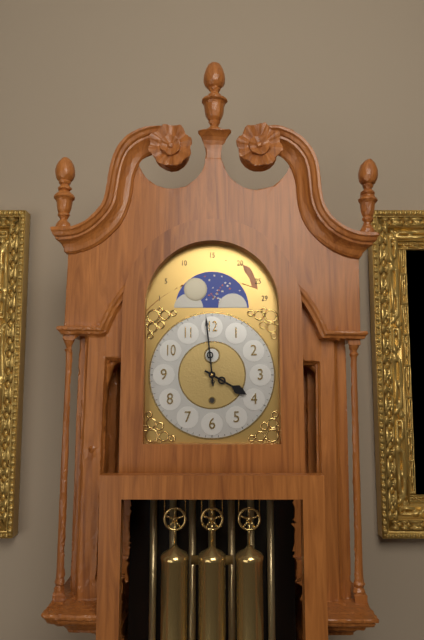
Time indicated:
{"hour": 3, "minute": 59}
